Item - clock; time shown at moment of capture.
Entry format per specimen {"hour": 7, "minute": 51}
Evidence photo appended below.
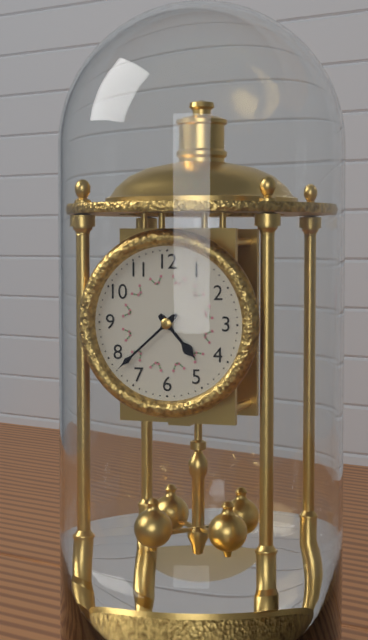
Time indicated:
{"hour": 4, "minute": 38}
